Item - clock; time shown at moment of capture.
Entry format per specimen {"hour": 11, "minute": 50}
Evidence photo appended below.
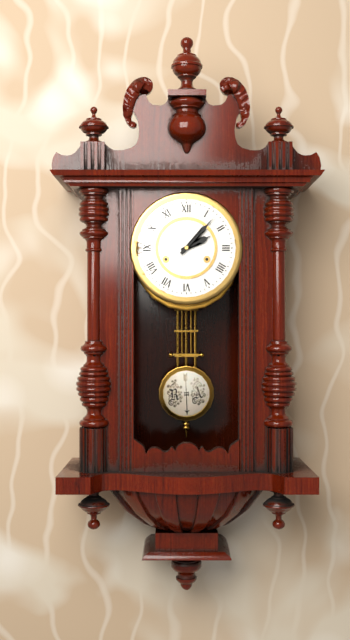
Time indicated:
{"hour": 2, "minute": 7}
